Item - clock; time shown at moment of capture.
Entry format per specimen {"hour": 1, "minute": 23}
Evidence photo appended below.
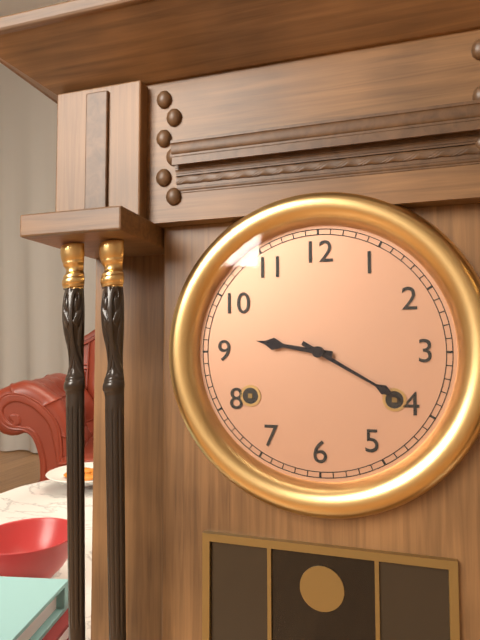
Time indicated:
{"hour": 9, "minute": 20}
